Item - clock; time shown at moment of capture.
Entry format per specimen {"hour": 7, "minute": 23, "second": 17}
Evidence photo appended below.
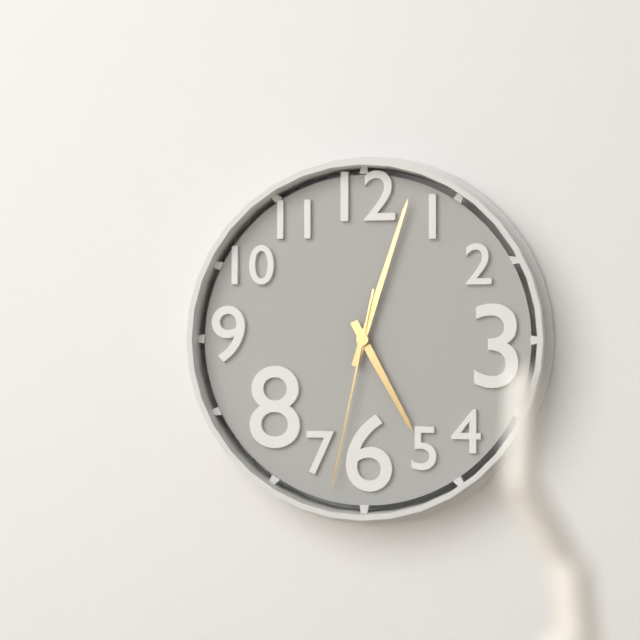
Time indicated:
{"hour": 5, "minute": 3, "second": 32}
